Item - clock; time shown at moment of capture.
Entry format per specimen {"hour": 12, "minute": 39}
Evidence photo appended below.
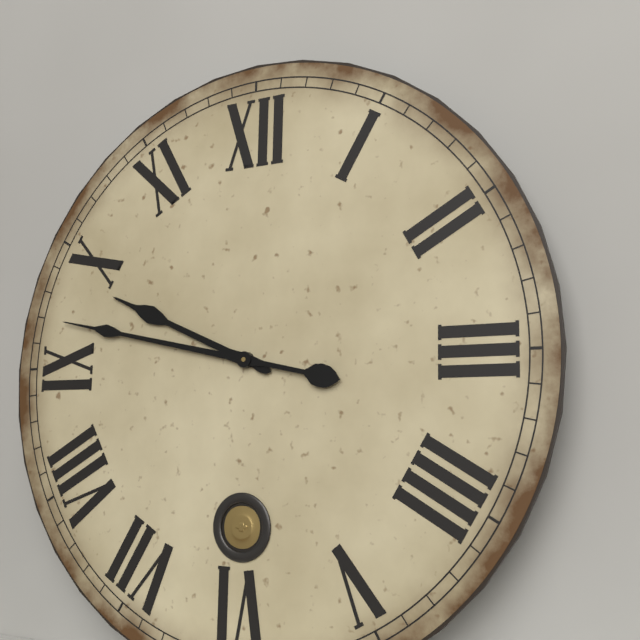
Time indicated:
{"hour": 9, "minute": 47}
